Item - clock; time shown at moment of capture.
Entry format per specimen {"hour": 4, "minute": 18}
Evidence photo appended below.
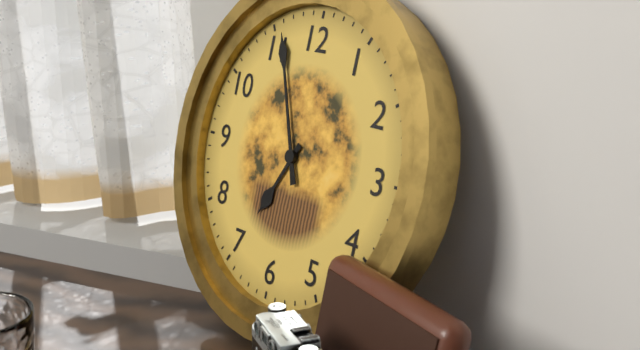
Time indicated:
{"hour": 6, "minute": 56}
